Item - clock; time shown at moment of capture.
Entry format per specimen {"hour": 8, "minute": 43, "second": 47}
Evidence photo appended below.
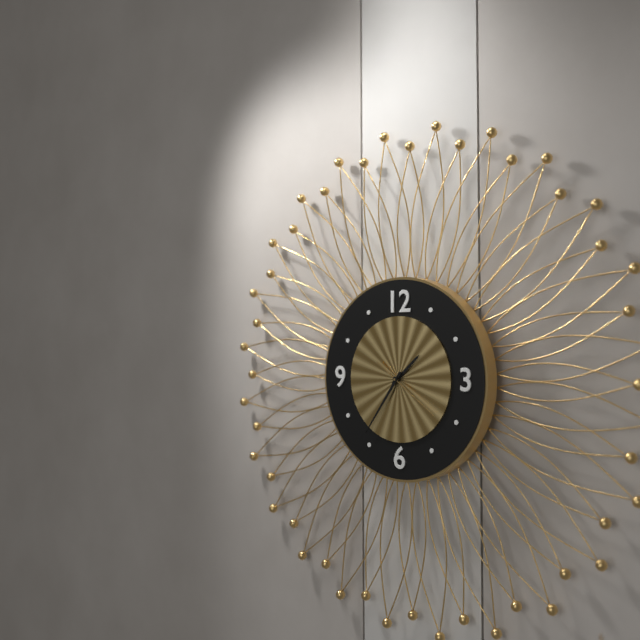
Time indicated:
{"hour": 1, "minute": 36, "second": 21}
